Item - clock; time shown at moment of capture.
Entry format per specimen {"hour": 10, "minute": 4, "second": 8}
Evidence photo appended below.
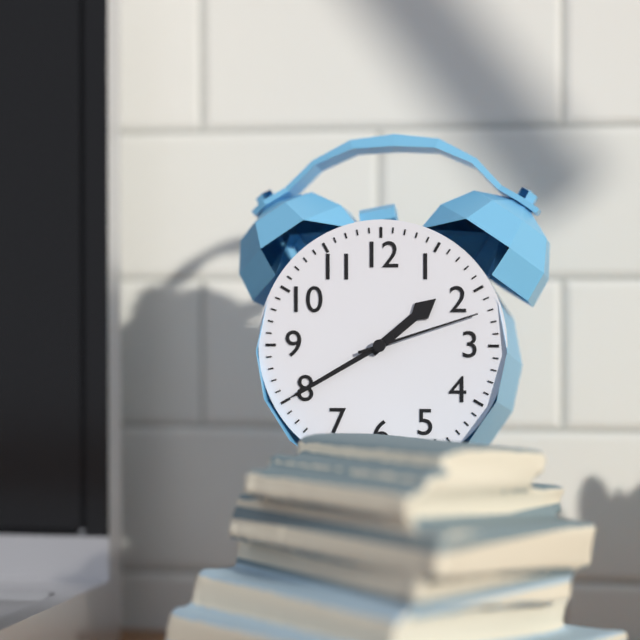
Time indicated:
{"hour": 1, "minute": 40, "second": 12}
